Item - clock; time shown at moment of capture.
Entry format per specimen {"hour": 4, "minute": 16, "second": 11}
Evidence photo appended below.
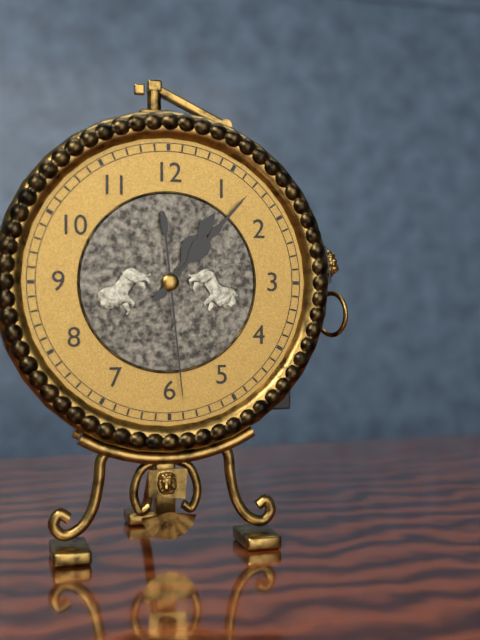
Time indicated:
{"hour": 1, "minute": 7, "second": 29}
